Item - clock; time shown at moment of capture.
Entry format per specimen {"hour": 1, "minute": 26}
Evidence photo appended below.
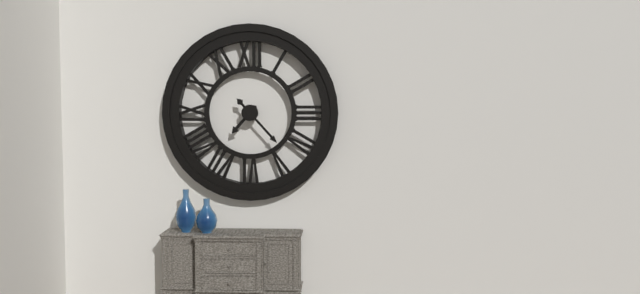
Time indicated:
{"hour": 7, "minute": 23}
